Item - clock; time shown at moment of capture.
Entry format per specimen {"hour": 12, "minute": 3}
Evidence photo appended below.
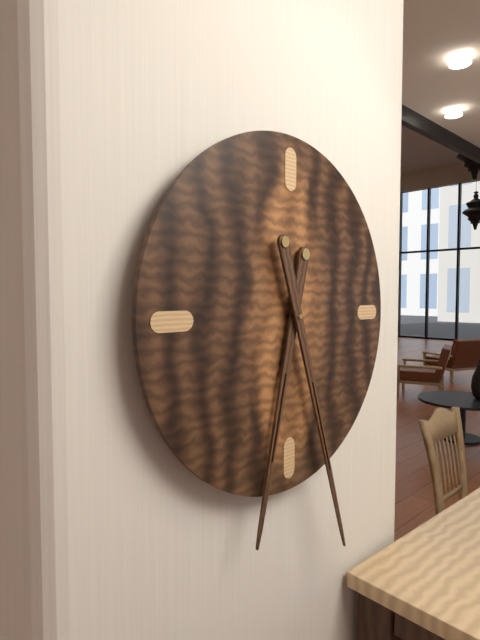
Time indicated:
{"hour": 6, "minute": 27}
